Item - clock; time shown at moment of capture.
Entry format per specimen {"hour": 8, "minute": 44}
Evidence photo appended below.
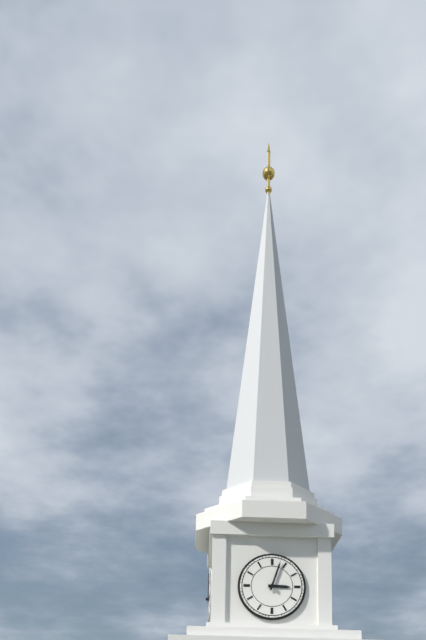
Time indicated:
{"hour": 3, "minute": 3}
